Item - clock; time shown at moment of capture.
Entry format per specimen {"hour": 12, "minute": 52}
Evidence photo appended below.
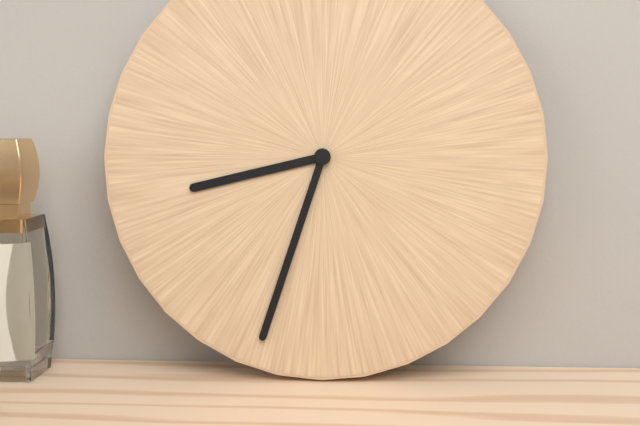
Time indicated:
{"hour": 8, "minute": 33}
